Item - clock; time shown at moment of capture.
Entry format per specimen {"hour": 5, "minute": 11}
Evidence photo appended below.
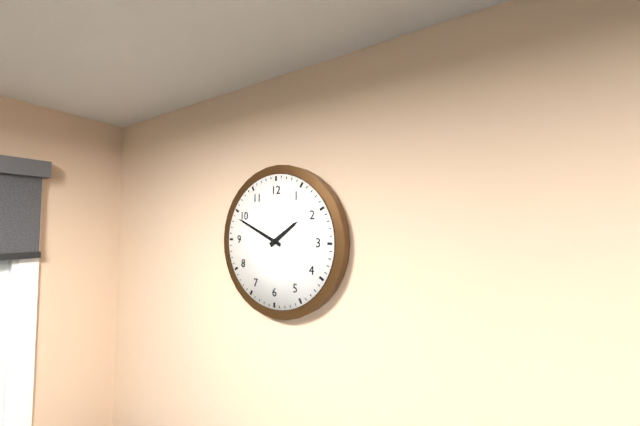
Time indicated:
{"hour": 1, "minute": 49}
